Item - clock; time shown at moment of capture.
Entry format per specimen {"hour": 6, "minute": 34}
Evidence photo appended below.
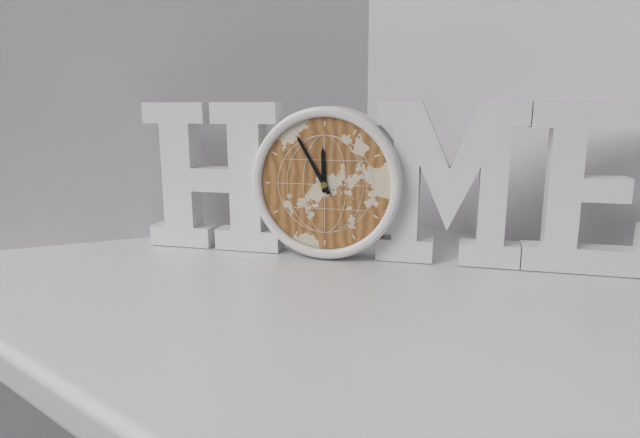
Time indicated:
{"hour": 11, "minute": 55}
